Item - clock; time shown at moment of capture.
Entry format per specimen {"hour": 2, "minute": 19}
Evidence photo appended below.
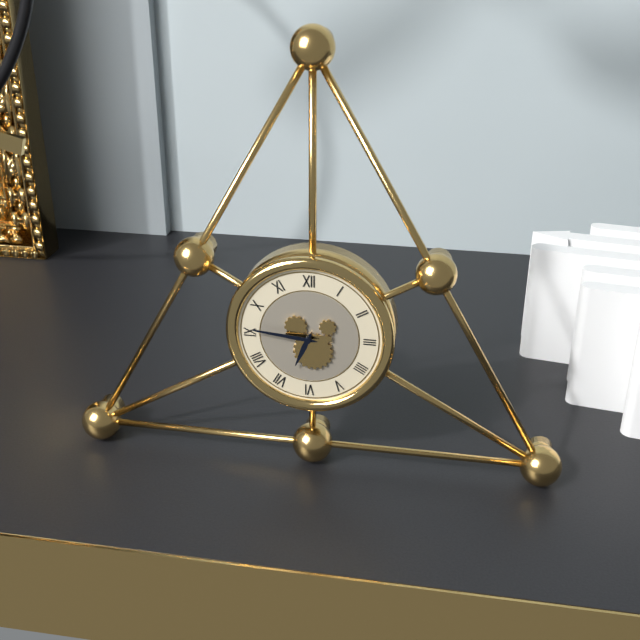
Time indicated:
{"hour": 6, "minute": 46}
